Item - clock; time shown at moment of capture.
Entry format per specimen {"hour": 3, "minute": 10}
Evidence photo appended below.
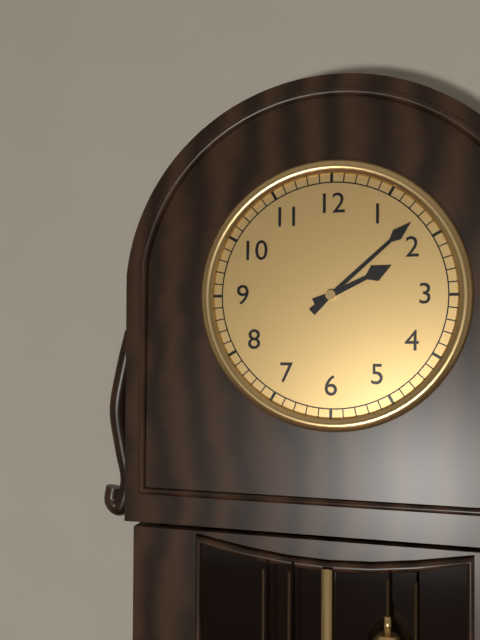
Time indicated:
{"hour": 2, "minute": 8}
